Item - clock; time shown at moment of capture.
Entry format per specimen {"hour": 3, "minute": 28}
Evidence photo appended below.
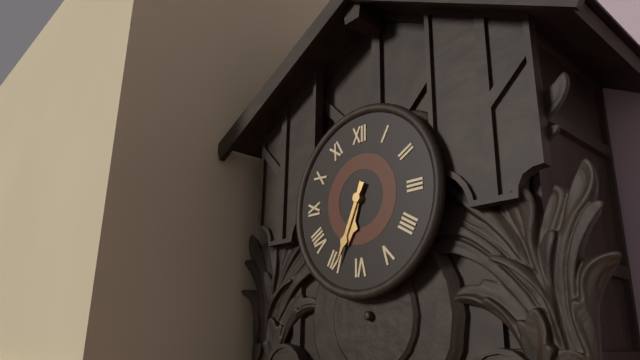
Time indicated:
{"hour": 6, "minute": 34}
